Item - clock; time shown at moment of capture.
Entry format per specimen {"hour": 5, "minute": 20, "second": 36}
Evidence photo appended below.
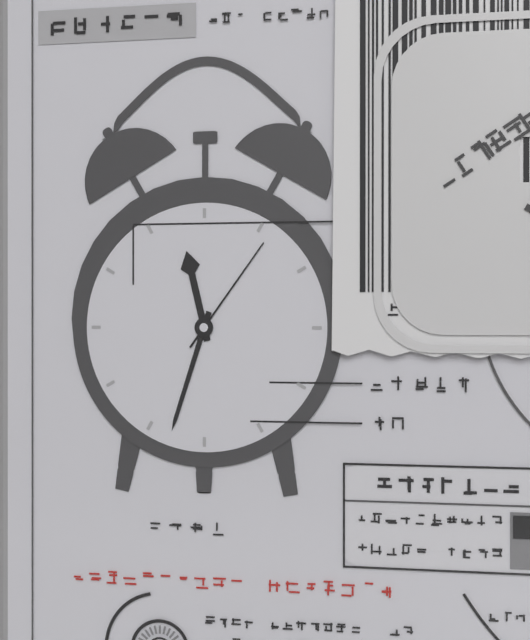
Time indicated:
{"hour": 11, "minute": 33, "second": 6}
